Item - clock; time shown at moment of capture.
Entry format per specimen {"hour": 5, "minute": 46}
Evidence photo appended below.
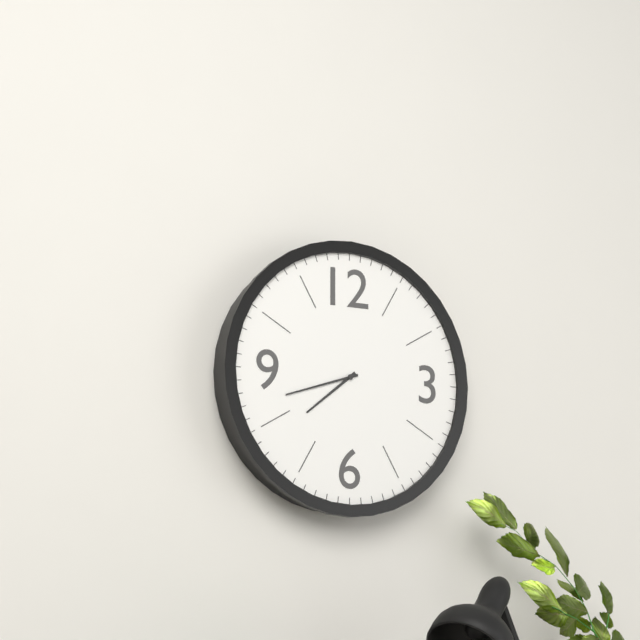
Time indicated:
{"hour": 7, "minute": 42}
